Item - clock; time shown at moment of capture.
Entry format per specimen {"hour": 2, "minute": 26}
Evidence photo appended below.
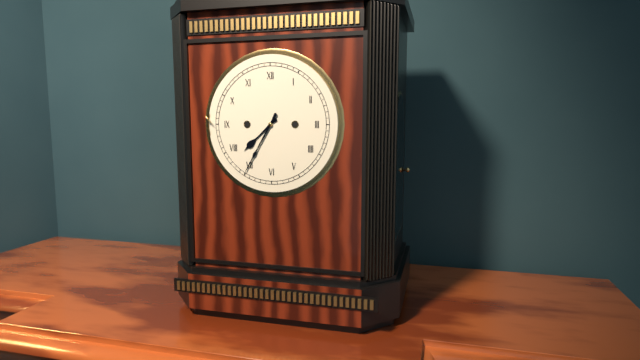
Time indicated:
{"hour": 7, "minute": 35}
